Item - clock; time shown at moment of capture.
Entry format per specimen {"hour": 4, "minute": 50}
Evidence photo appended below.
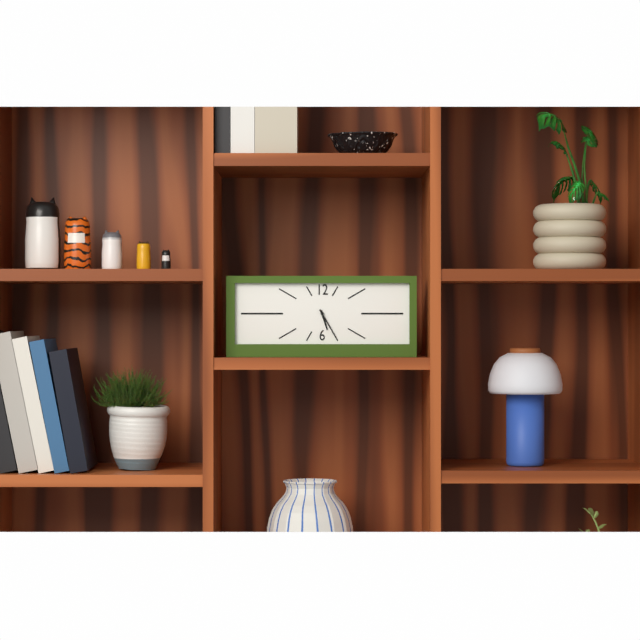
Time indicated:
{"hour": 5, "minute": 25}
